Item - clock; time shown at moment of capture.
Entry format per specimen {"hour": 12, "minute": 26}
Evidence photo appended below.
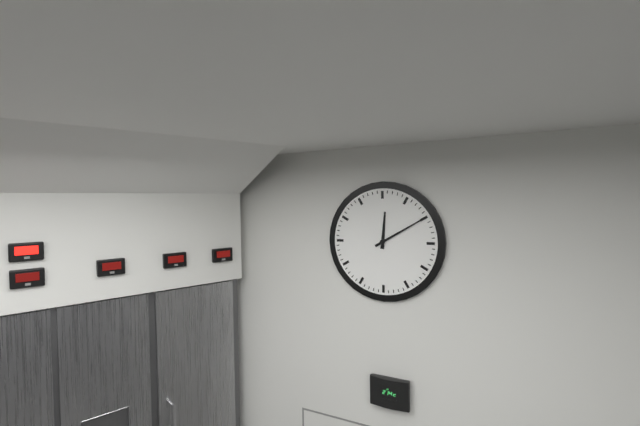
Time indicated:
{"hour": 12, "minute": 10}
